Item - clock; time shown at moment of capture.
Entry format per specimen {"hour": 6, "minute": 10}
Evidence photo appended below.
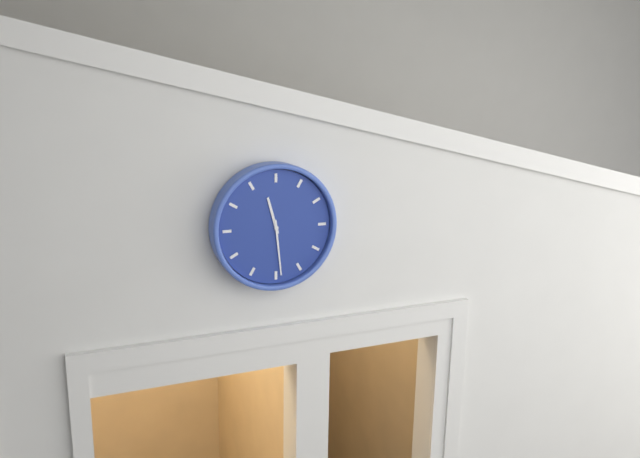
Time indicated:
{"hour": 11, "minute": 29}
